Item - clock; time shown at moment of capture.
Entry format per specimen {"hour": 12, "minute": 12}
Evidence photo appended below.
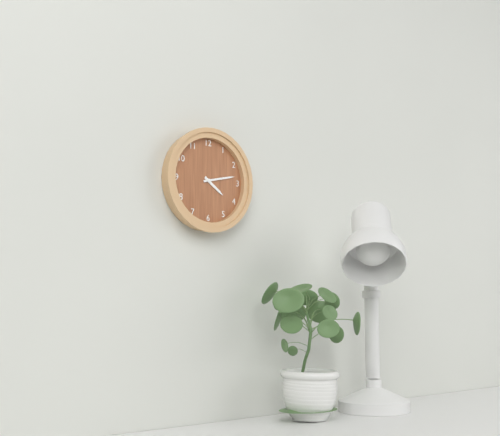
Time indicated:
{"hour": 4, "minute": 13}
